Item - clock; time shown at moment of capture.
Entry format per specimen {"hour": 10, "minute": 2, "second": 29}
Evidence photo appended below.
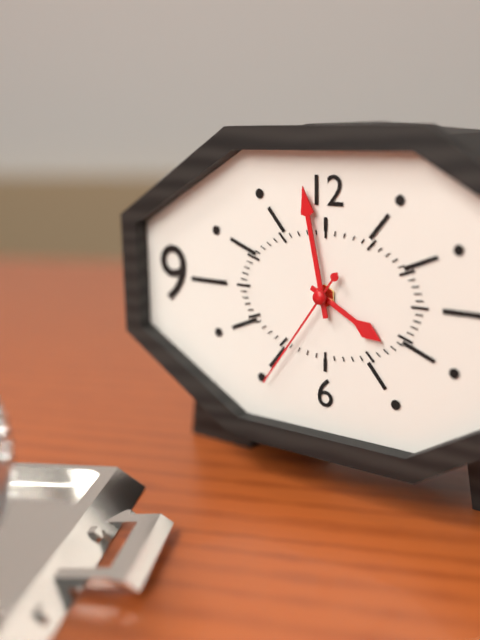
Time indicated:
{"hour": 3, "minute": 58, "second": 36}
